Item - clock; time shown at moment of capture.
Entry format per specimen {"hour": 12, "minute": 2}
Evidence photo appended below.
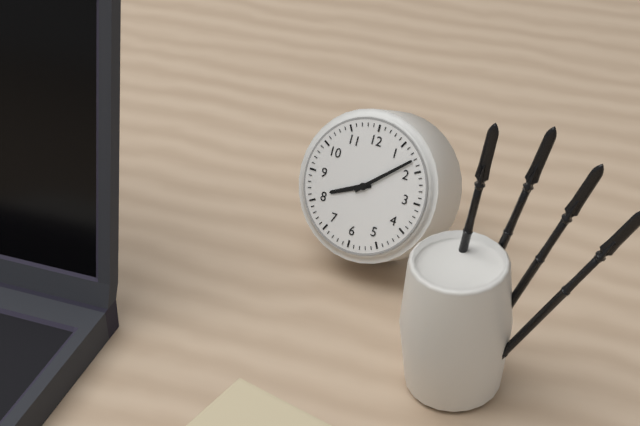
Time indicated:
{"hour": 8, "minute": 8}
